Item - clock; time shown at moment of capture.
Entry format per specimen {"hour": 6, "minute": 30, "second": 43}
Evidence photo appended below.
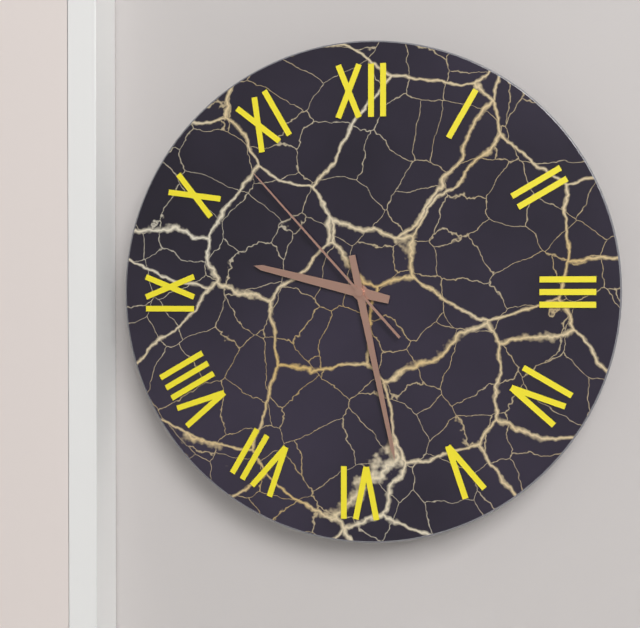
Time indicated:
{"hour": 9, "minute": 28, "second": 53}
